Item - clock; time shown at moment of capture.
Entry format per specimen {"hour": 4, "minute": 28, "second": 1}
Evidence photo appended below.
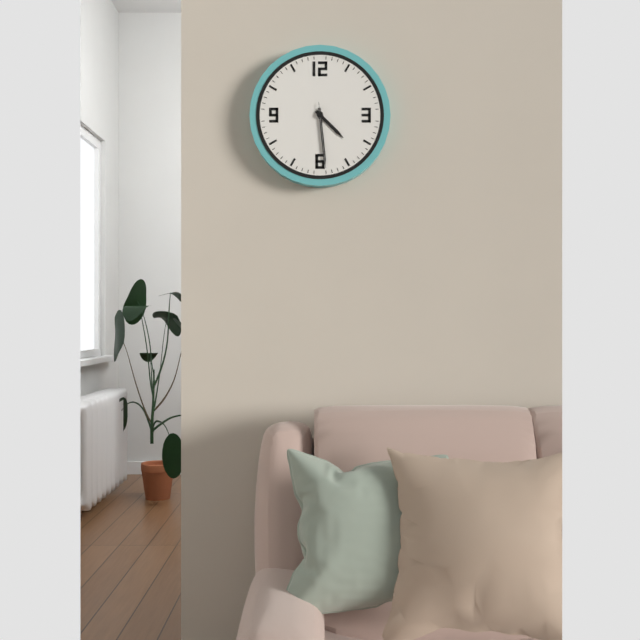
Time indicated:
{"hour": 4, "minute": 29, "second": 29}
